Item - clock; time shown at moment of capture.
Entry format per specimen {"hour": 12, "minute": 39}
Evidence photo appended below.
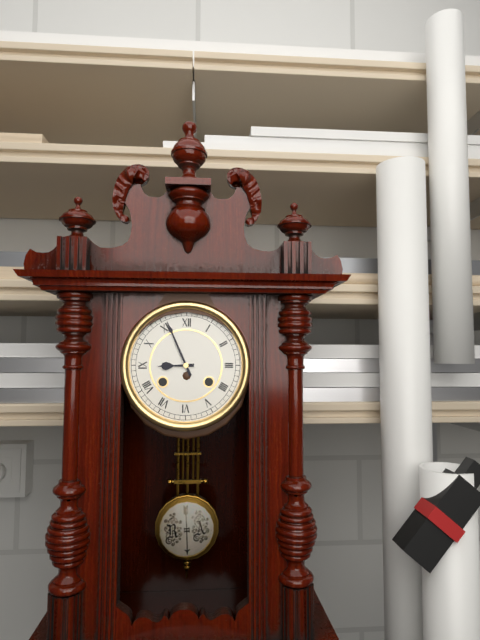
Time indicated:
{"hour": 8, "minute": 56}
